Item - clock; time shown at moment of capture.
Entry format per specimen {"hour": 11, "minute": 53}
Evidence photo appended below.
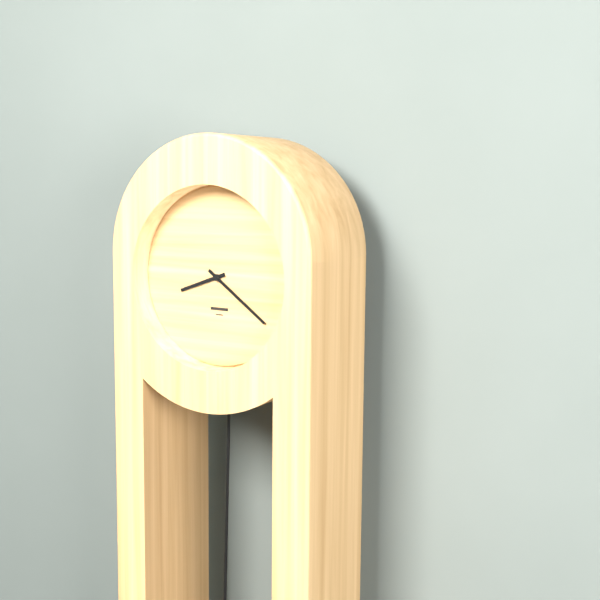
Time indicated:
{"hour": 8, "minute": 21}
